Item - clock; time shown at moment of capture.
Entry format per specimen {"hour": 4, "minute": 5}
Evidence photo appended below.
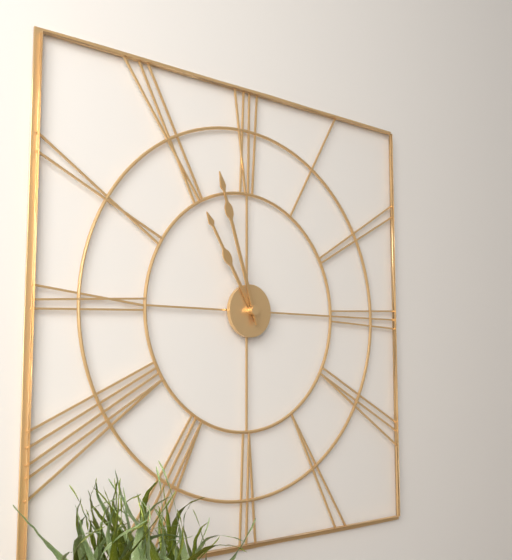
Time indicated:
{"hour": 10, "minute": 57}
